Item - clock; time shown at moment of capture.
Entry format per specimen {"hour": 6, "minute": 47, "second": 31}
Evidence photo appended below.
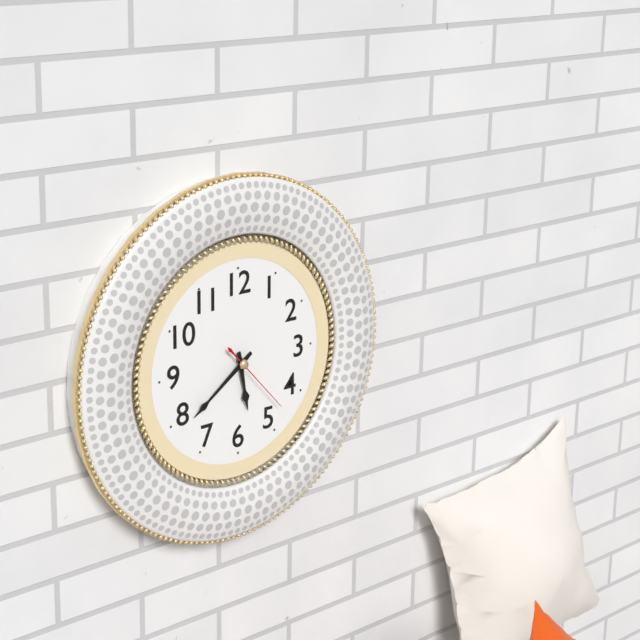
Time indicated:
{"hour": 5, "minute": 39, "second": 23}
